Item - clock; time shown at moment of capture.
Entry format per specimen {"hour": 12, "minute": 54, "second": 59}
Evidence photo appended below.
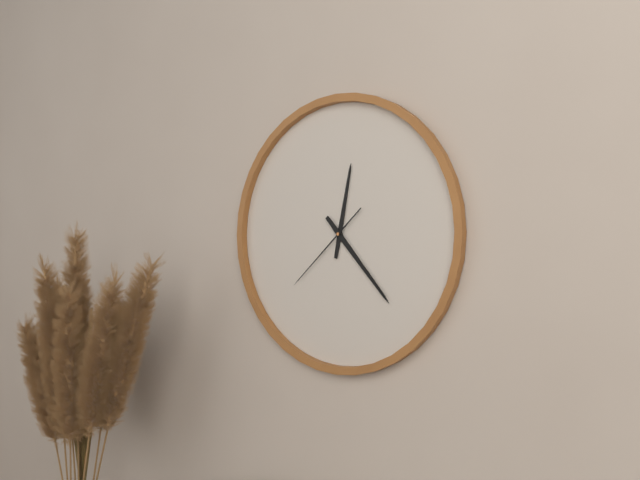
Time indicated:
{"hour": 12, "minute": 23, "second": 38}
